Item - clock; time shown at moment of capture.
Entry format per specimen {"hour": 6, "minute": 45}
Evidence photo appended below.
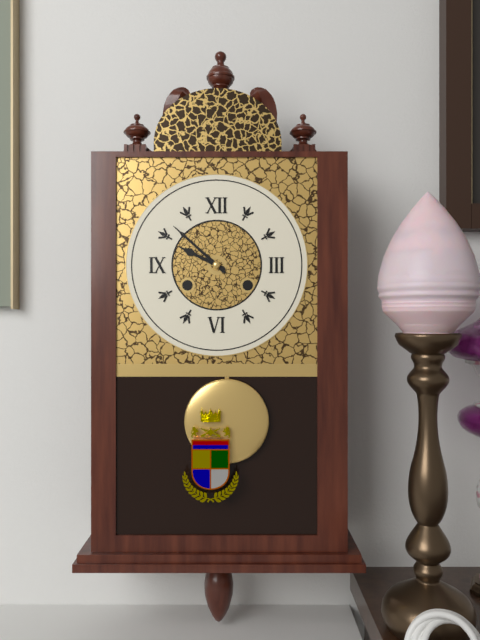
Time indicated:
{"hour": 9, "minute": 52}
